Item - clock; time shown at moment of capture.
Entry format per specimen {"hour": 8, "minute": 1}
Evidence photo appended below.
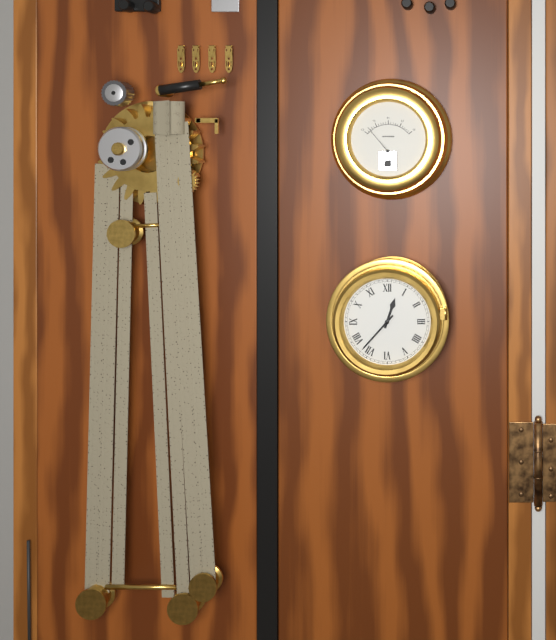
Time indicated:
{"hour": 12, "minute": 37}
